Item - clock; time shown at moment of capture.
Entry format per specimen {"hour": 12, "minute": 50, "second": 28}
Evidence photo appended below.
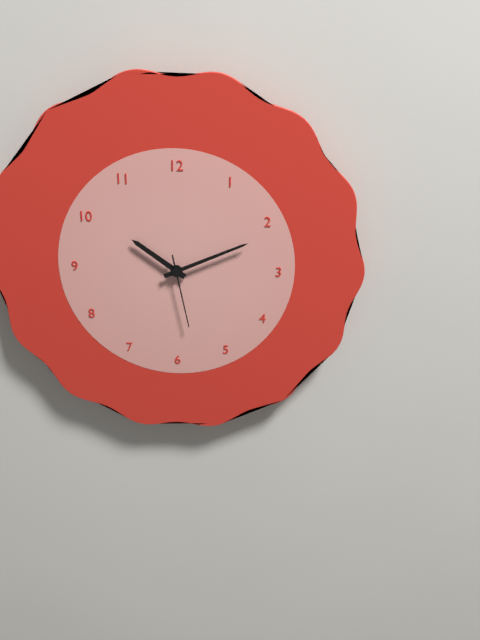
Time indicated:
{"hour": 10, "minute": 11, "second": 28}
